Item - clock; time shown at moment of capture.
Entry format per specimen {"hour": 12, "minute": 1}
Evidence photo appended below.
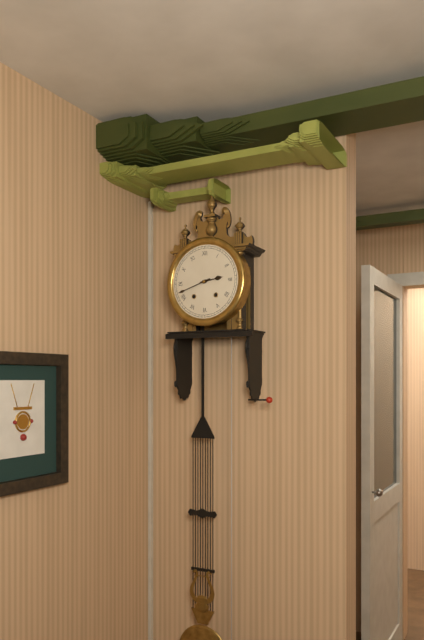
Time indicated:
{"hour": 2, "minute": 42}
